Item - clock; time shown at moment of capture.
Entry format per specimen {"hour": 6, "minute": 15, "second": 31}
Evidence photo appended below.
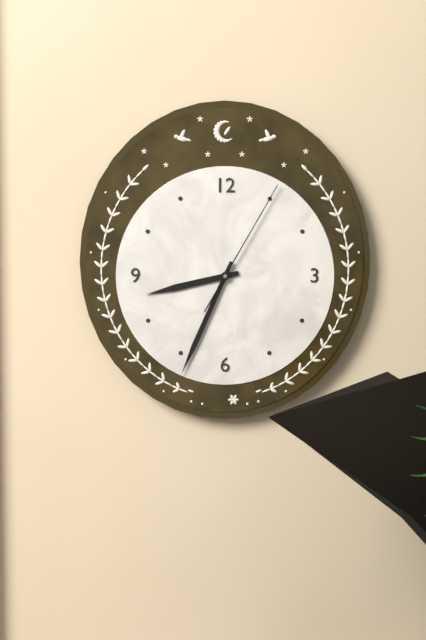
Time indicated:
{"hour": 8, "minute": 34, "second": 5}
